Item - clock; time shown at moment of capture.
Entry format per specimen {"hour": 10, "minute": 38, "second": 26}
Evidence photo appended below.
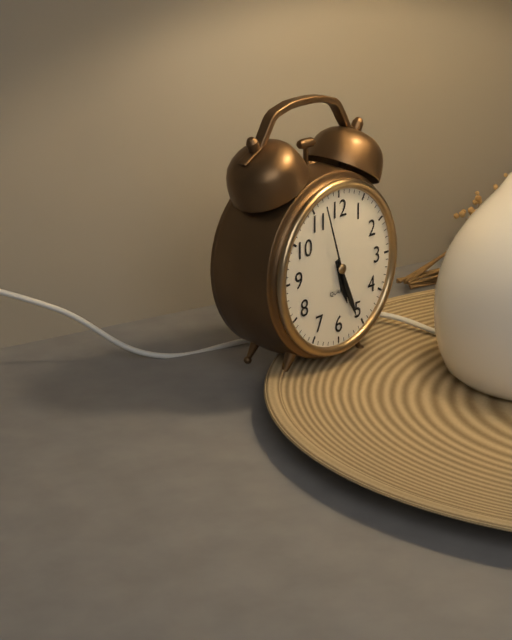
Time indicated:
{"hour": 5, "minute": 26, "second": 57}
